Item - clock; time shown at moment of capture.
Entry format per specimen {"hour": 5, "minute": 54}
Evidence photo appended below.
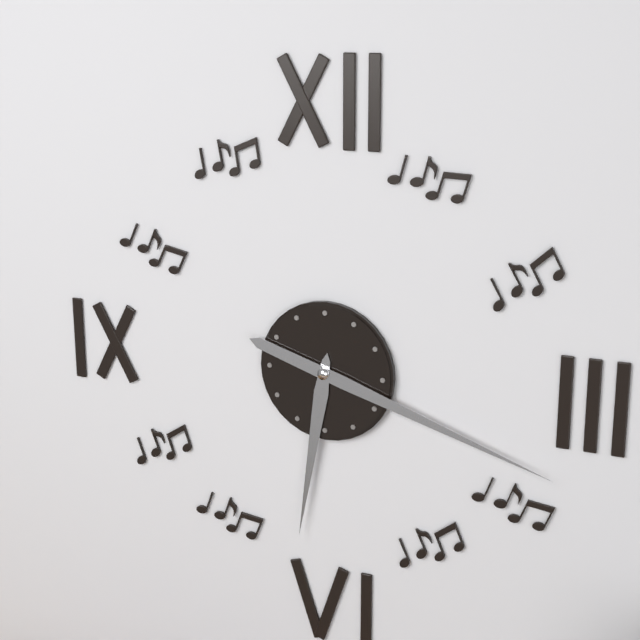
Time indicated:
{"hour": 6, "minute": 18}
